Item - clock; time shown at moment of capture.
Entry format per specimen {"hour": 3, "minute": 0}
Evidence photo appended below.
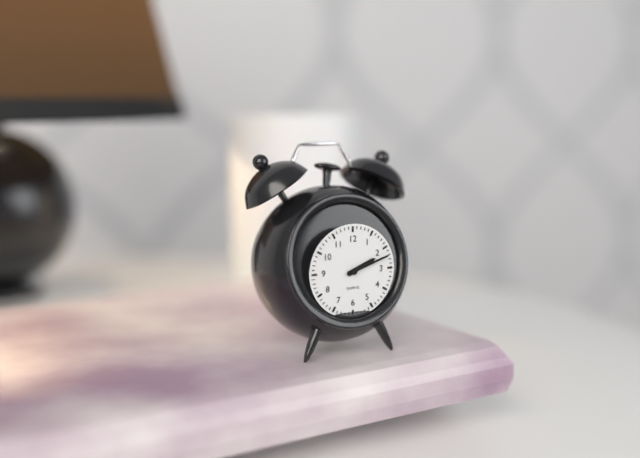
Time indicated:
{"hour": 2, "minute": 12}
